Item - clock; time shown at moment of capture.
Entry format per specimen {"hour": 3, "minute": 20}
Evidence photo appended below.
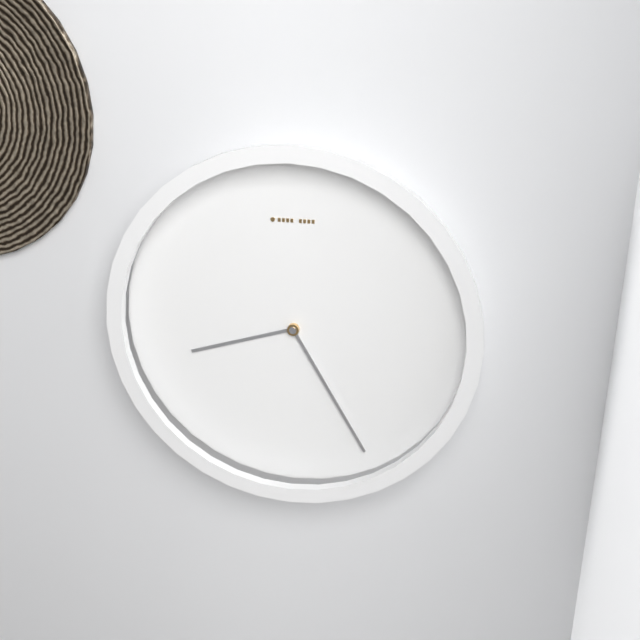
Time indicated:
{"hour": 8, "minute": 25}
